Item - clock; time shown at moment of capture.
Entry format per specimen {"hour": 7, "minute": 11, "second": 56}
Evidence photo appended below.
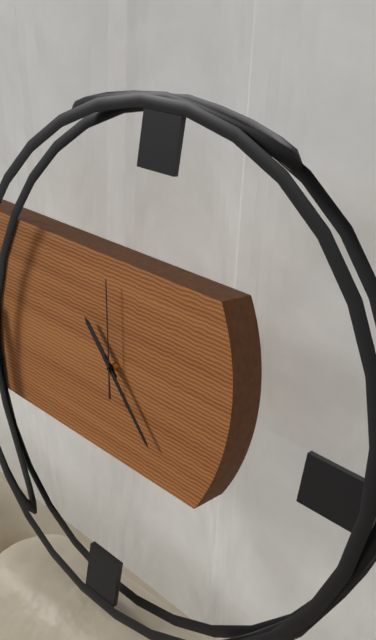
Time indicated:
{"hour": 10, "minute": 22, "second": 58}
